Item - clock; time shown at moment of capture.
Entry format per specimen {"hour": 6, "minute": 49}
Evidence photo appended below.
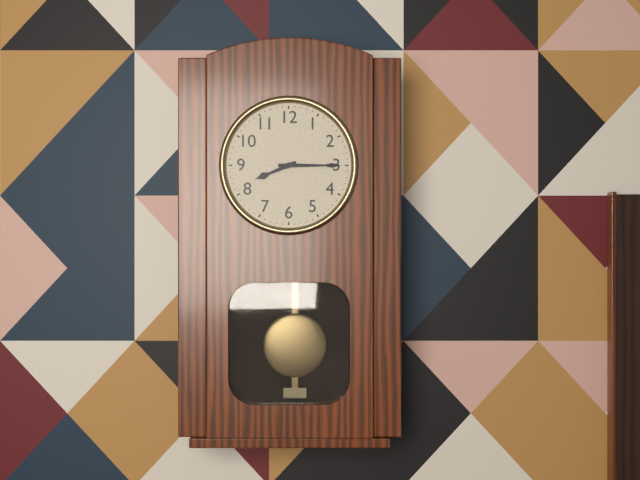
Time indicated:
{"hour": 8, "minute": 15}
